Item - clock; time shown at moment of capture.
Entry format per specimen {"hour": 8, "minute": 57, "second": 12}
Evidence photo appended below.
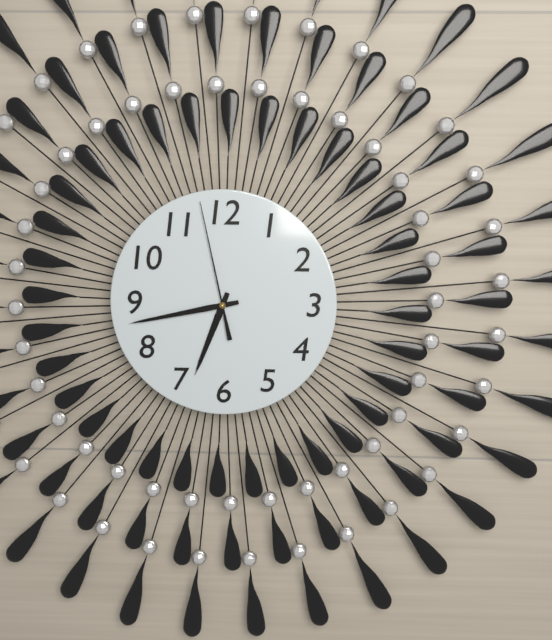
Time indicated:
{"hour": 6, "minute": 43, "second": 58}
